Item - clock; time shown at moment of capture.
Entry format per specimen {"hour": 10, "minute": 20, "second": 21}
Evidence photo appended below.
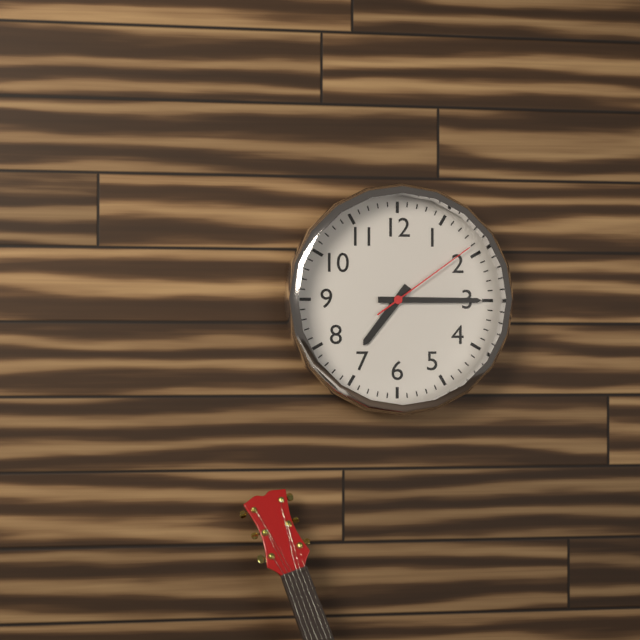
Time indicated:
{"hour": 7, "minute": 15, "second": 9}
